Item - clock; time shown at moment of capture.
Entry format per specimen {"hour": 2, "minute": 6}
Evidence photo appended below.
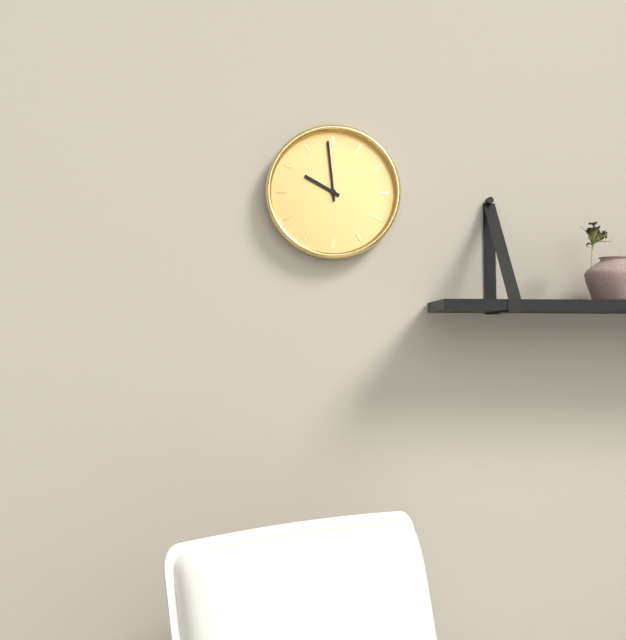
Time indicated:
{"hour": 9, "minute": 59}
